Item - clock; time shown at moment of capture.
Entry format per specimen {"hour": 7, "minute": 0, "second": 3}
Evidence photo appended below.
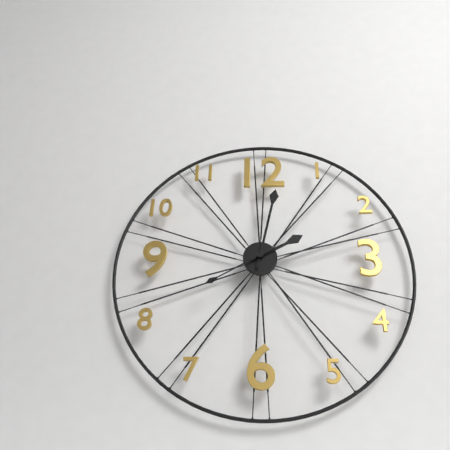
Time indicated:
{"hour": 2, "minute": 2, "second": 40}
